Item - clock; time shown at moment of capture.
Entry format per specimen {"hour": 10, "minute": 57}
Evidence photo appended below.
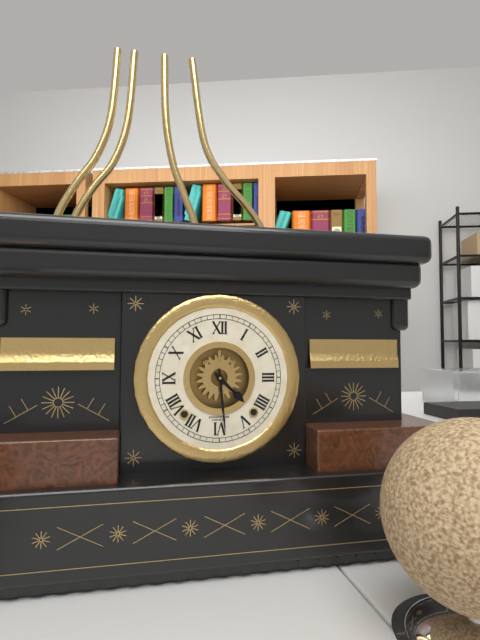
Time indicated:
{"hour": 4, "minute": 29}
